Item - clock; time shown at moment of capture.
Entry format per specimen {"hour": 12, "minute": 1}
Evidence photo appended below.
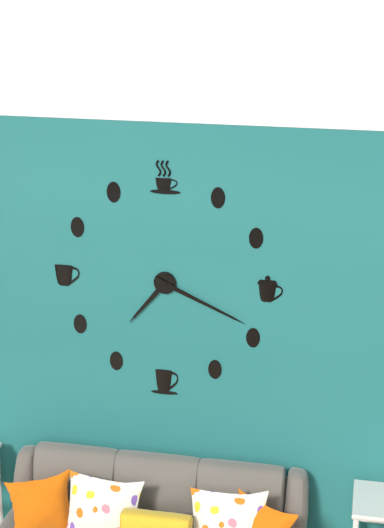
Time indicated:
{"hour": 7, "minute": 19}
